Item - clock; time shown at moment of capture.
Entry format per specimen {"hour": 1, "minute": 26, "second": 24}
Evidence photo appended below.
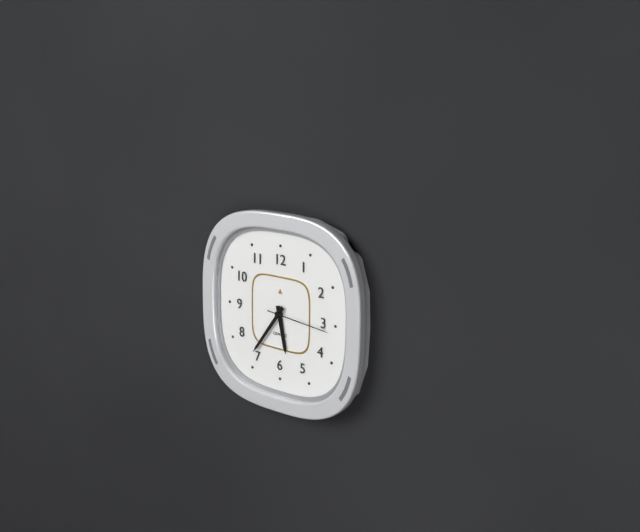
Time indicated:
{"hour": 5, "minute": 36, "second": 16}
